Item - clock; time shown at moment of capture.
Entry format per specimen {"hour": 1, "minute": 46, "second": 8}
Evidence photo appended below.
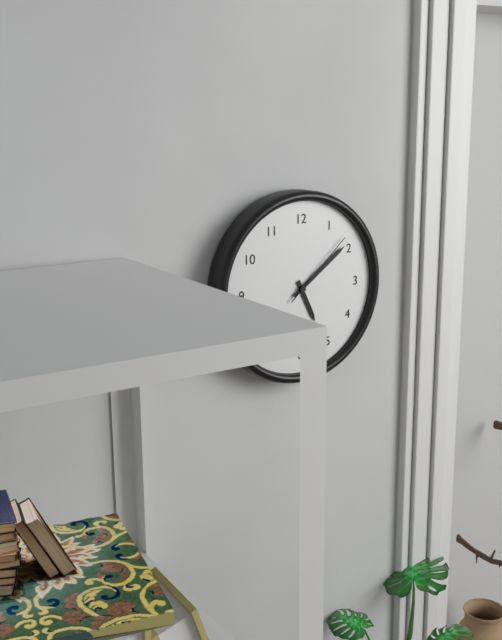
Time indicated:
{"hour": 5, "minute": 9, "second": 8}
